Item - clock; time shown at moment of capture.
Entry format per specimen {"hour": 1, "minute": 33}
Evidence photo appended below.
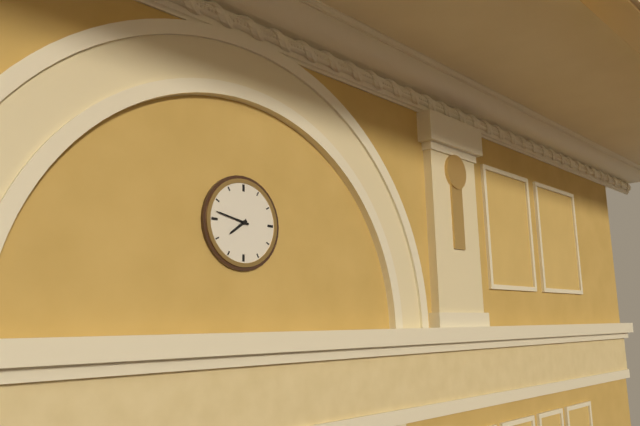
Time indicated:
{"hour": 7, "minute": 47}
